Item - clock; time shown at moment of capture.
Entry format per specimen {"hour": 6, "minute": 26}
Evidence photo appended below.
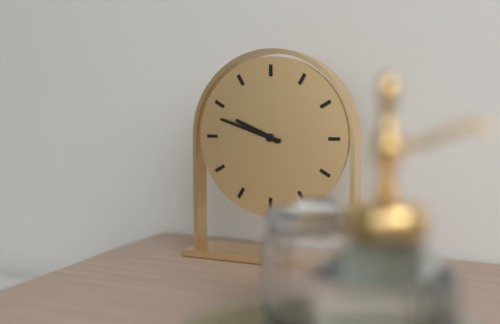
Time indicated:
{"hour": 9, "minute": 48}
